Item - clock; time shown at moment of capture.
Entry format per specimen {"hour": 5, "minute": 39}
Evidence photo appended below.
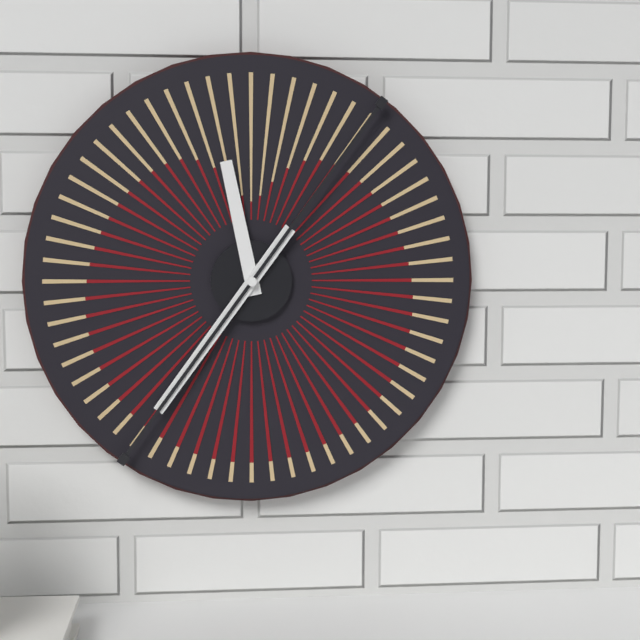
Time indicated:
{"hour": 11, "minute": 36}
